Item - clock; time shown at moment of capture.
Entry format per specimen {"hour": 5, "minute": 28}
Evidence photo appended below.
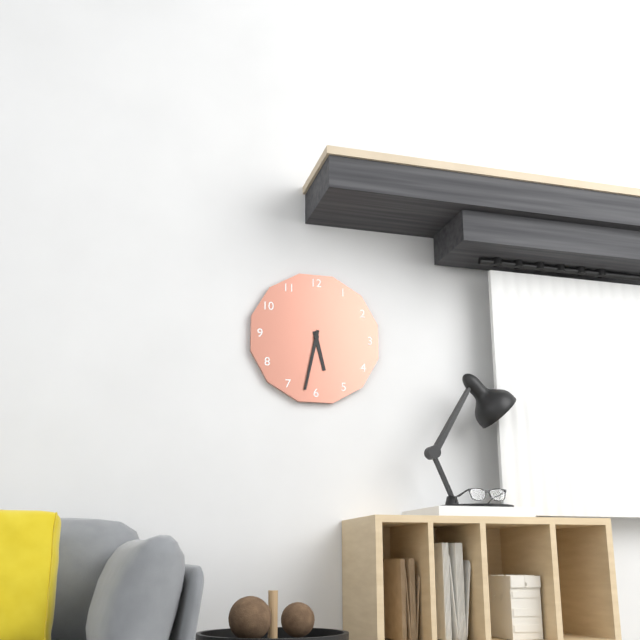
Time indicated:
{"hour": 5, "minute": 32}
